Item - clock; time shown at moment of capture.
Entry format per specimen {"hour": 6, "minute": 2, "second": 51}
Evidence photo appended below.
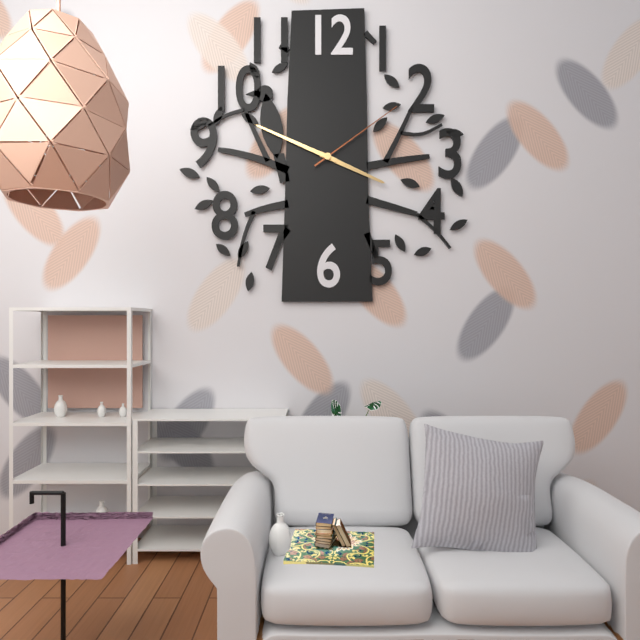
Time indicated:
{"hour": 3, "minute": 49, "second": 9}
